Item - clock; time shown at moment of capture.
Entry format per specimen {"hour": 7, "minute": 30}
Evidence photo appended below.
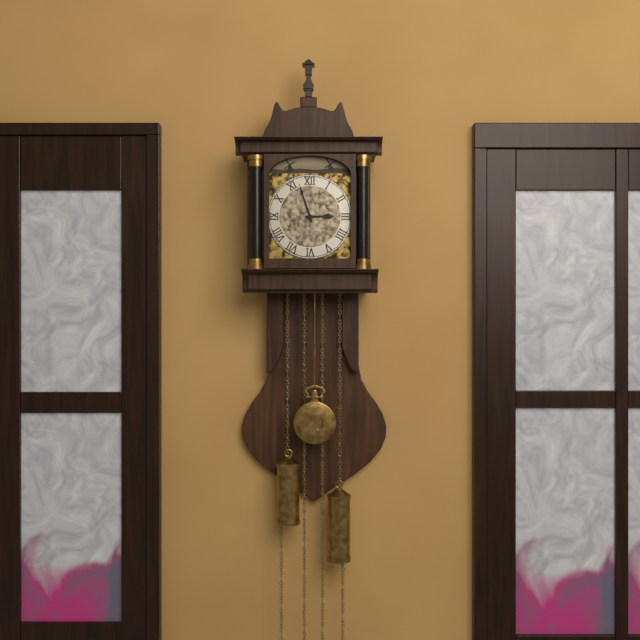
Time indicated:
{"hour": 2, "minute": 57}
